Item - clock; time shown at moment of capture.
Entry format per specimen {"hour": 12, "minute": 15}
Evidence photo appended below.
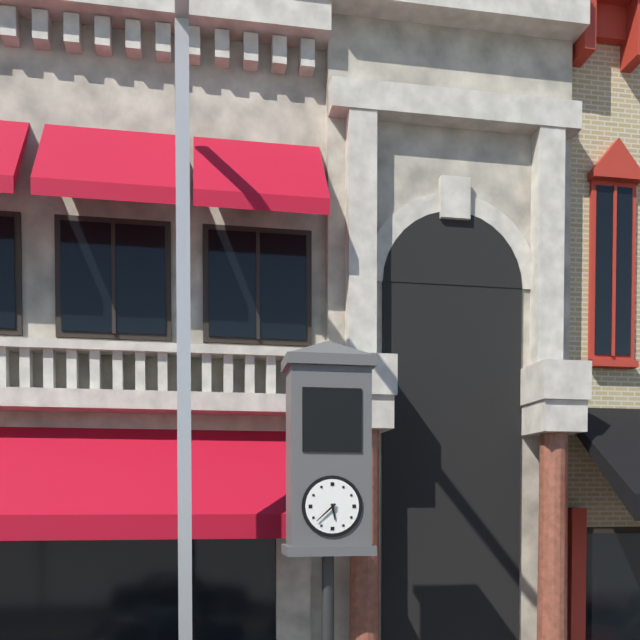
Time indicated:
{"hour": 5, "minute": 38}
